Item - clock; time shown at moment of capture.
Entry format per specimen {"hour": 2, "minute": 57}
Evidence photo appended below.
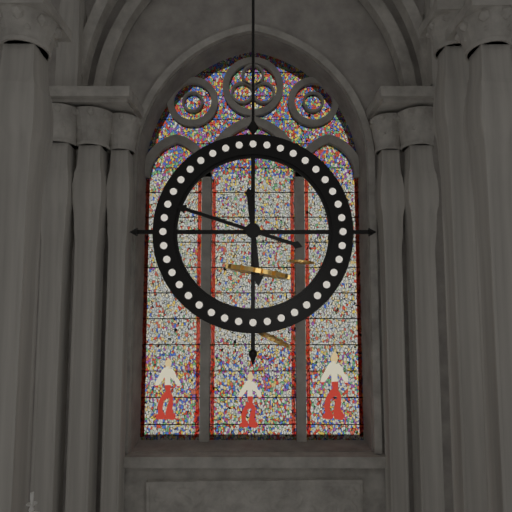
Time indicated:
{"hour": 5, "minute": 48}
